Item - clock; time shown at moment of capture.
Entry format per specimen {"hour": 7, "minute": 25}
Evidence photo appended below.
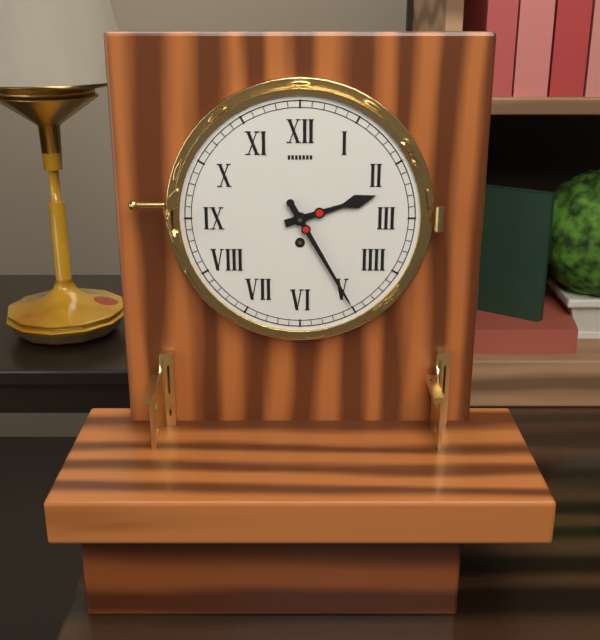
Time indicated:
{"hour": 2, "minute": 25}
